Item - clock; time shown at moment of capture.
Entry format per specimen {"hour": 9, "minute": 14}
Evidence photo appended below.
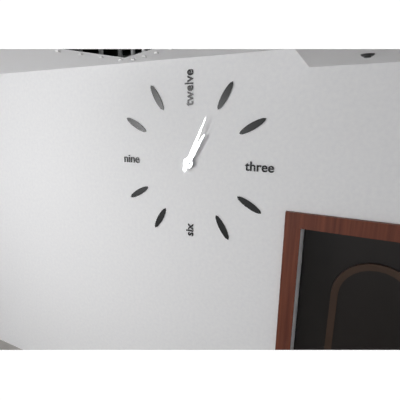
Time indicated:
{"hour": 1, "minute": 4}
